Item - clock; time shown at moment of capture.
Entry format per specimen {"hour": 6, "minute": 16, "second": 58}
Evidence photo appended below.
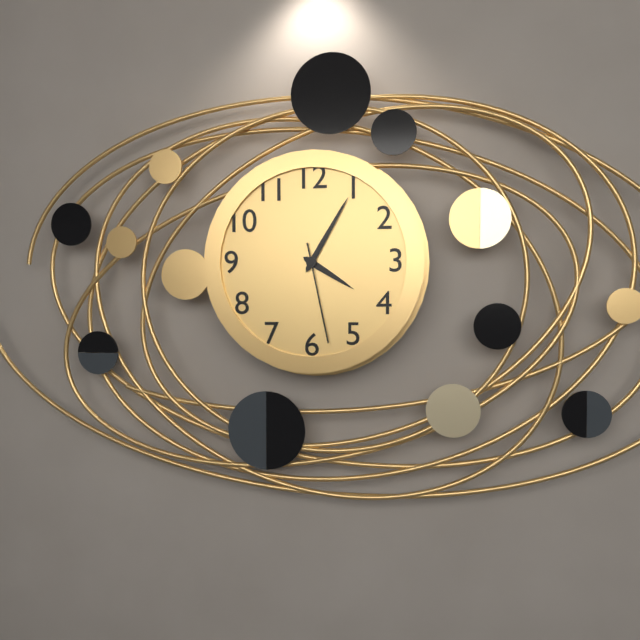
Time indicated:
{"hour": 4, "minute": 5, "second": 28}
